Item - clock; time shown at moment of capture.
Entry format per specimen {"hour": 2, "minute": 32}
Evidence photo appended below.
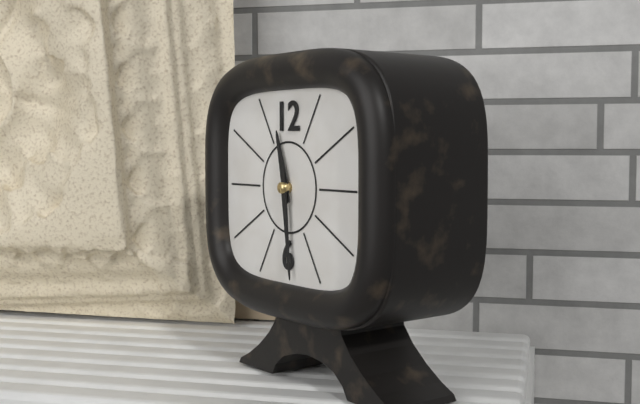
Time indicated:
{"hour": 11, "minute": 29}
